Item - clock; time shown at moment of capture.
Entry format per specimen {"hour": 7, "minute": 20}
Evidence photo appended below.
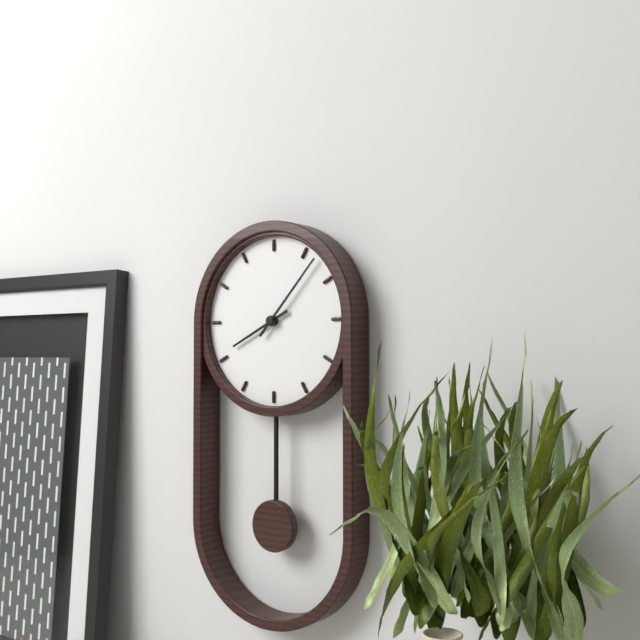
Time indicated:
{"hour": 8, "minute": 7}
